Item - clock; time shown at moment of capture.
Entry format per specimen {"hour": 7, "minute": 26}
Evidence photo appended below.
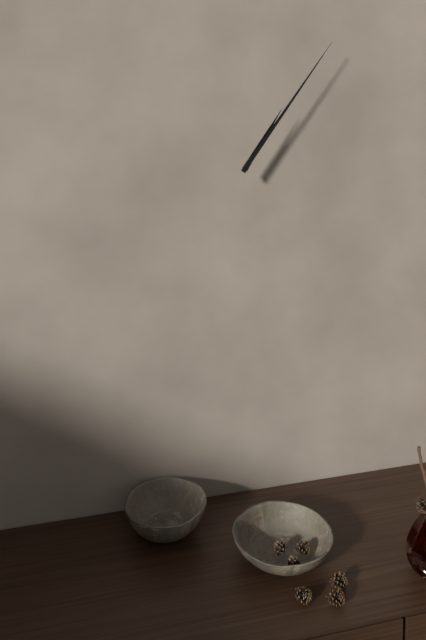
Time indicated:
{"hour": 1, "minute": 6}
